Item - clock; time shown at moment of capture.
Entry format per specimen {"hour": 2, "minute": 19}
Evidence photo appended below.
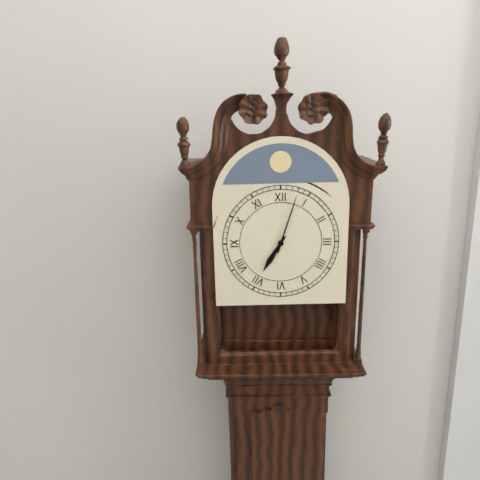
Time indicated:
{"hour": 7, "minute": 3}
